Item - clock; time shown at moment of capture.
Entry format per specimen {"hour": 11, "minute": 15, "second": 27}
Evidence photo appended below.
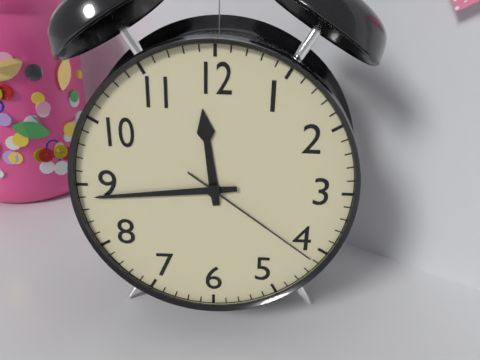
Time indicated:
{"hour": 11, "minute": 44, "second": 21}
